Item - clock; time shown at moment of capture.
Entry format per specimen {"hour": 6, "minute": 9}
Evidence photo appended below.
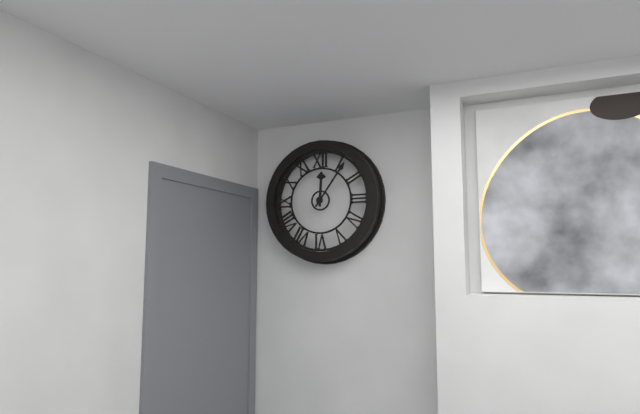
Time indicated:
{"hour": 12, "minute": 6}
